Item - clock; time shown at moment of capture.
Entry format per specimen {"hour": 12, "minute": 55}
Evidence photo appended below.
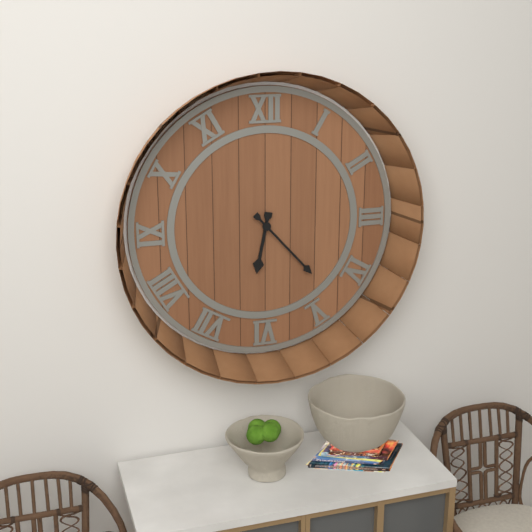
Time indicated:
{"hour": 6, "minute": 23}
